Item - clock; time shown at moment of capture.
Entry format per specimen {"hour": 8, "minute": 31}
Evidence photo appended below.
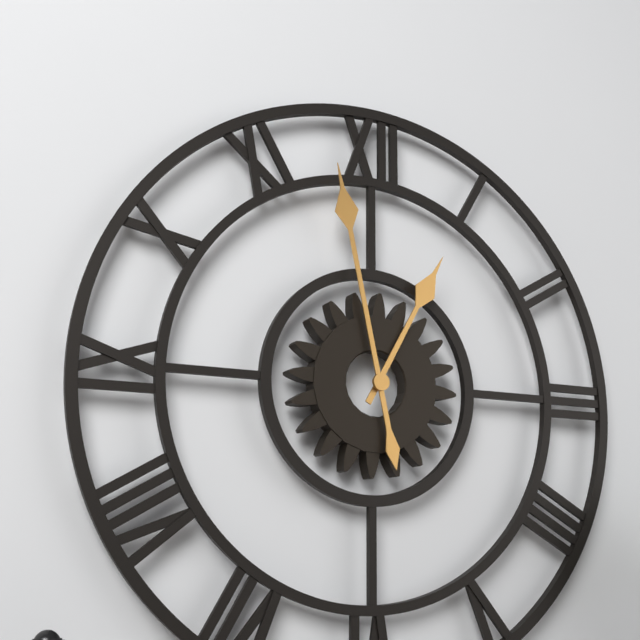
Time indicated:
{"hour": 12, "minute": 58}
